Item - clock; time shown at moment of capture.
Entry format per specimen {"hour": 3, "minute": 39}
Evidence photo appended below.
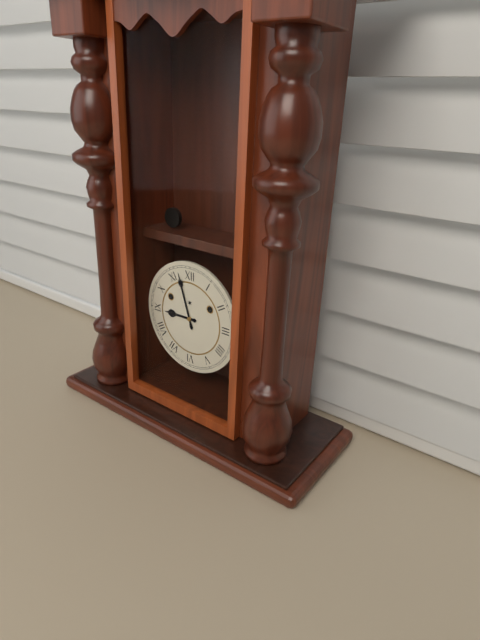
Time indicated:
{"hour": 8, "minute": 57}
